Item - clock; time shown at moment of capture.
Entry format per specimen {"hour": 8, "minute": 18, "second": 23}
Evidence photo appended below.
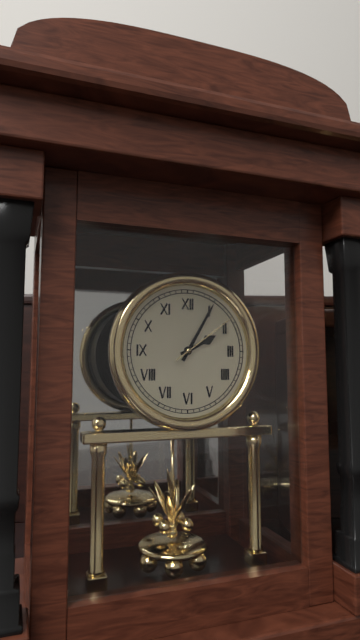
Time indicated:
{"hour": 2, "minute": 5, "second": 9}
